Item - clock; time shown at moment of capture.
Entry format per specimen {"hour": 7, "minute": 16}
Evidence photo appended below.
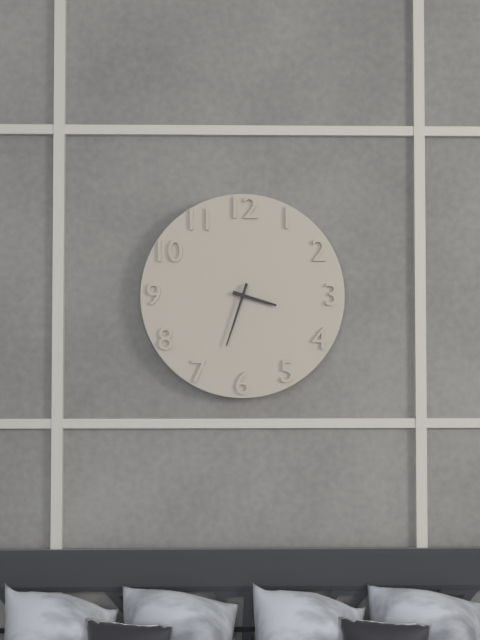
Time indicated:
{"hour": 3, "minute": 33}
